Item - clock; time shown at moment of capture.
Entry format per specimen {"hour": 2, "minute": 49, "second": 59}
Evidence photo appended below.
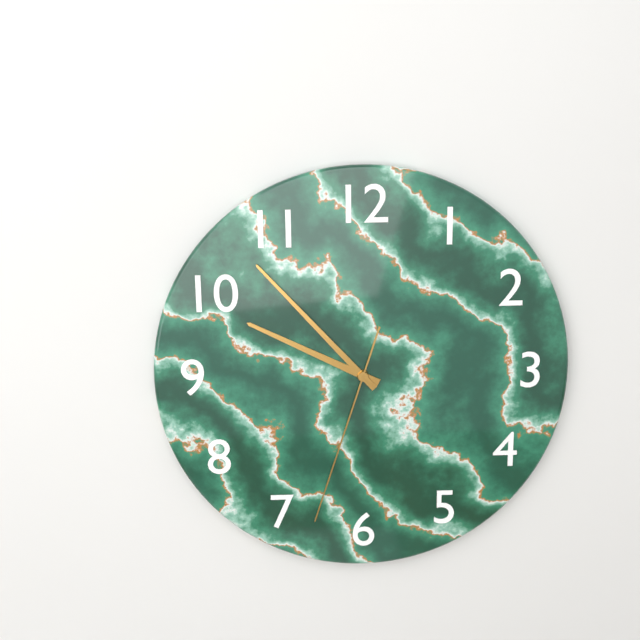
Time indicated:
{"hour": 9, "minute": 53, "second": 33}
